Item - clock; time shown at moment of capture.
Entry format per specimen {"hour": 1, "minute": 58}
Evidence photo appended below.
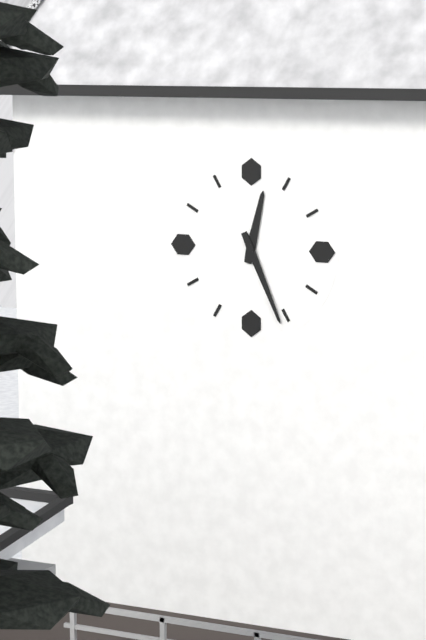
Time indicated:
{"hour": 12, "minute": 26}
